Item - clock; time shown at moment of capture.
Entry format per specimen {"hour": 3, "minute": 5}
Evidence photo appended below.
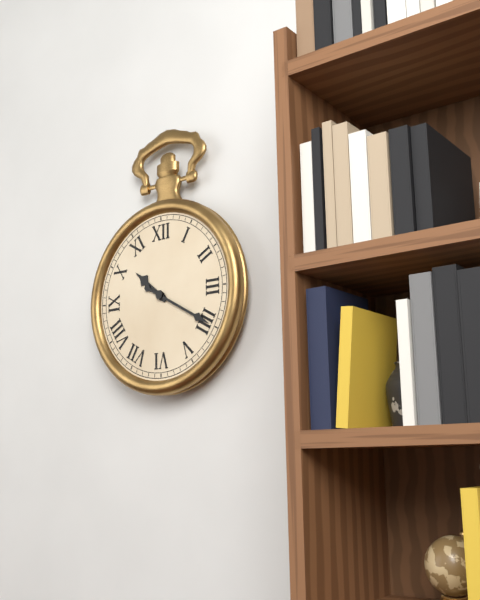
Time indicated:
{"hour": 10, "minute": 20}
